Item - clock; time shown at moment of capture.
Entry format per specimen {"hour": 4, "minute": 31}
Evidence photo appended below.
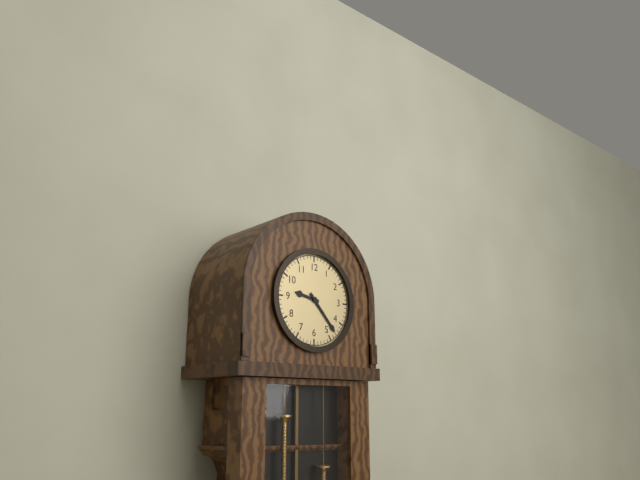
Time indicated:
{"hour": 9, "minute": 23}
